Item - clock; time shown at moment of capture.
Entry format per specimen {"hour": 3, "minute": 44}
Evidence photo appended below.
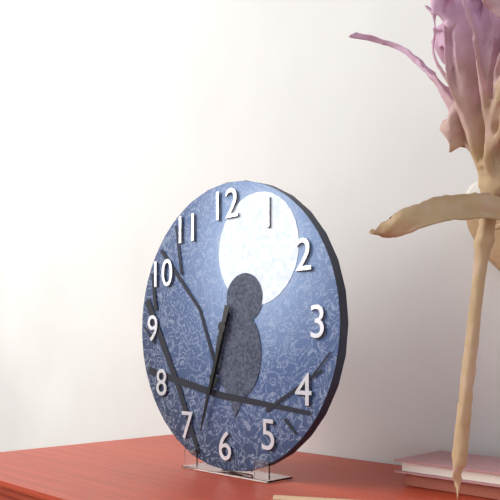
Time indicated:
{"hour": 6, "minute": 33}
